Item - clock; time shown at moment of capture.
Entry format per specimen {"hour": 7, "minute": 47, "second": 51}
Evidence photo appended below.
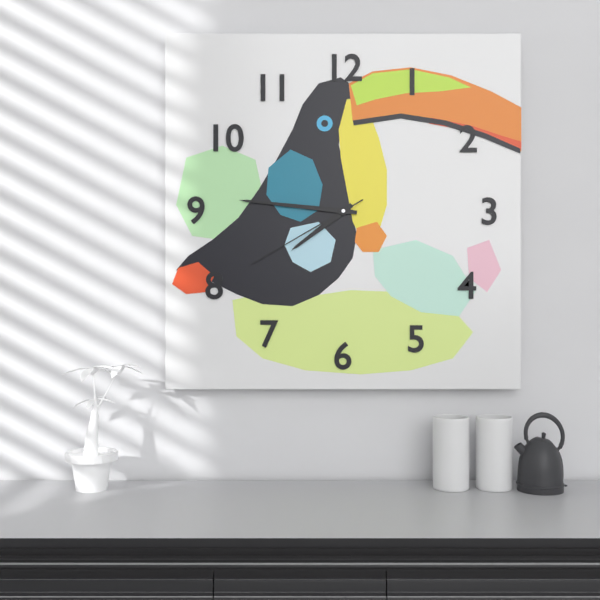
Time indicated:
{"hour": 7, "minute": 46, "second": 40}
